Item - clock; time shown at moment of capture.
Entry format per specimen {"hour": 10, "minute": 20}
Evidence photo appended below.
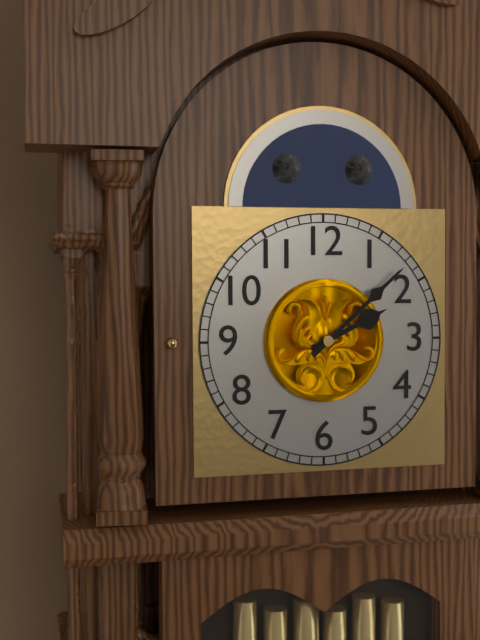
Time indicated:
{"hour": 2, "minute": 8}
